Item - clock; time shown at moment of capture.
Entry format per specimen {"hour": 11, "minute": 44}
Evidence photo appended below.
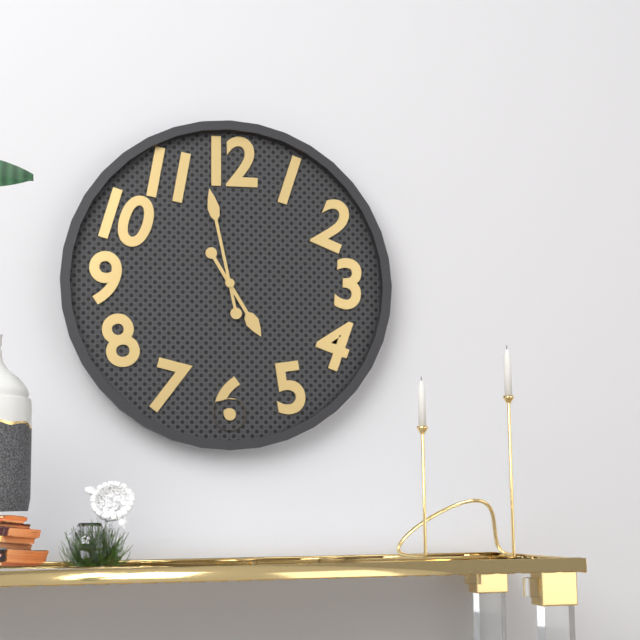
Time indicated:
{"hour": 4, "minute": 58}
